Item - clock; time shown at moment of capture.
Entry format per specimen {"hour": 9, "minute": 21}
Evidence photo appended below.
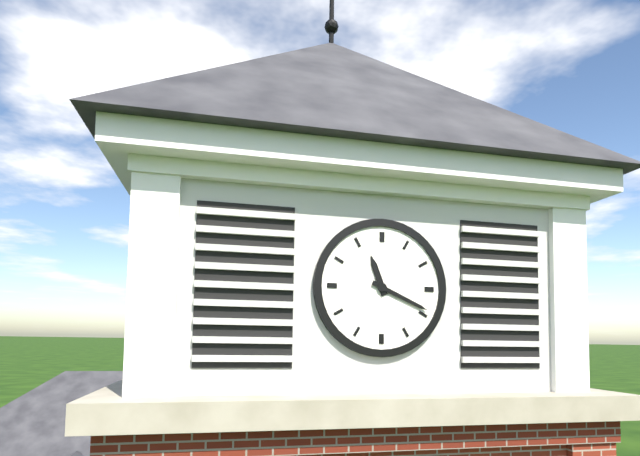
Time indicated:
{"hour": 11, "minute": 19}
